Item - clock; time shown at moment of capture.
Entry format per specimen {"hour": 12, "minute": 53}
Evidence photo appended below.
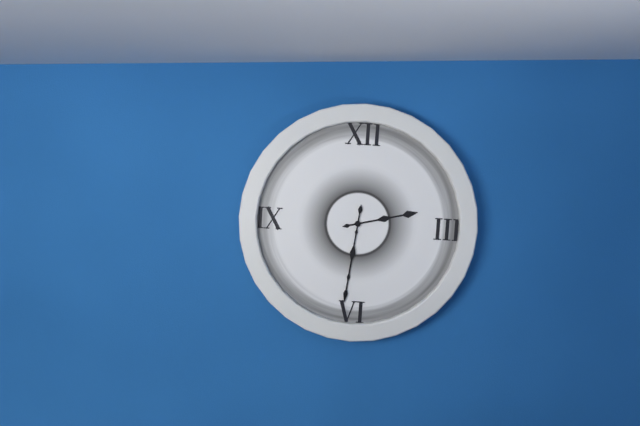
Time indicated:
{"hour": 2, "minute": 31}
